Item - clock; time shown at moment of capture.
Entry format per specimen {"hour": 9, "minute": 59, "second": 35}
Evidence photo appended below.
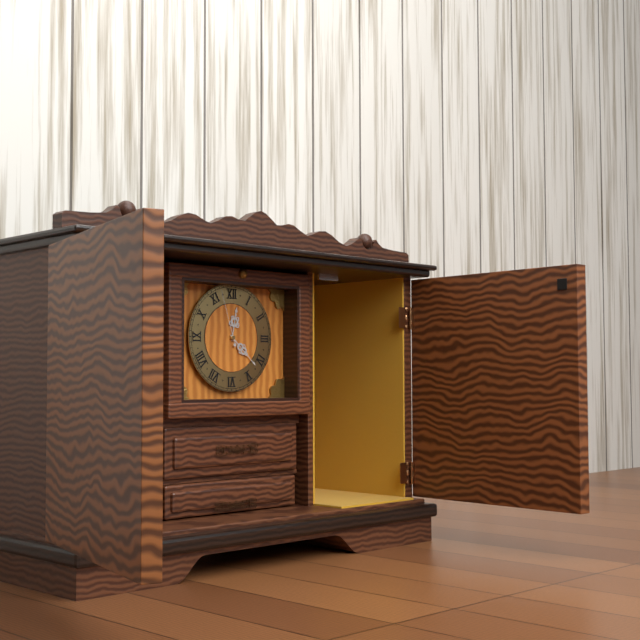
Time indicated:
{"hour": 12, "minute": 22, "second": 57}
